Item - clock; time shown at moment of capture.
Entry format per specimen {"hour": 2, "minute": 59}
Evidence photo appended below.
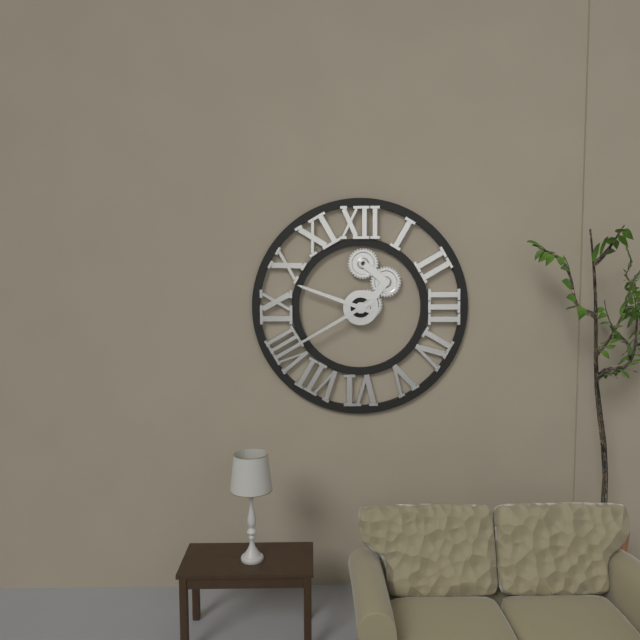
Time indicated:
{"hour": 9, "minute": 40}
